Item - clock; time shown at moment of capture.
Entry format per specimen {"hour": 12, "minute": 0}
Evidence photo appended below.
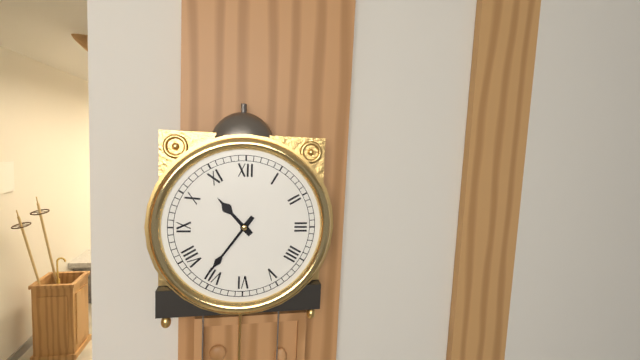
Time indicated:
{"hour": 10, "minute": 36}
